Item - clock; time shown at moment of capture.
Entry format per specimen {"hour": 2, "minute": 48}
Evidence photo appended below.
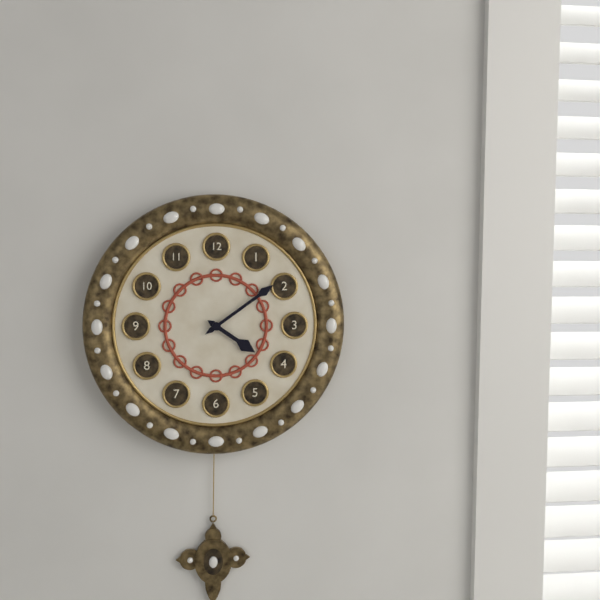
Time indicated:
{"hour": 4, "minute": 9}
